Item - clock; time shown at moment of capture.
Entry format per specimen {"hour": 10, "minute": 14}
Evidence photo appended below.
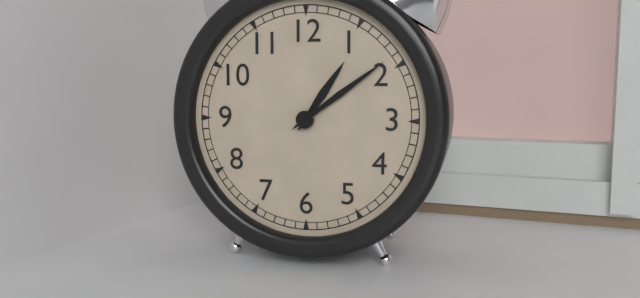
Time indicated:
{"hour": 1, "minute": 9}
